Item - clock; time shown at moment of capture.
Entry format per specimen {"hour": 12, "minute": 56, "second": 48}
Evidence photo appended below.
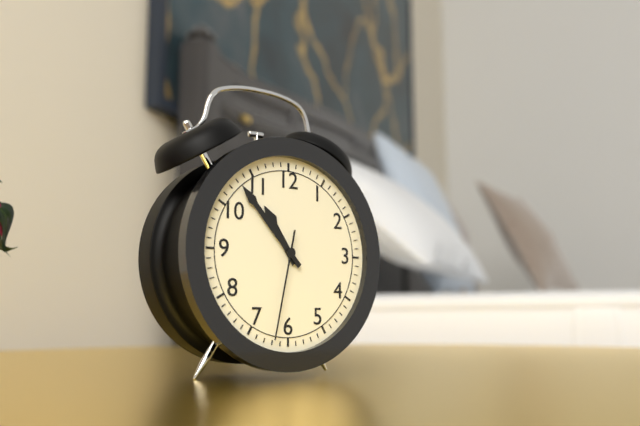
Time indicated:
{"hour": 10, "minute": 53, "second": 32}
